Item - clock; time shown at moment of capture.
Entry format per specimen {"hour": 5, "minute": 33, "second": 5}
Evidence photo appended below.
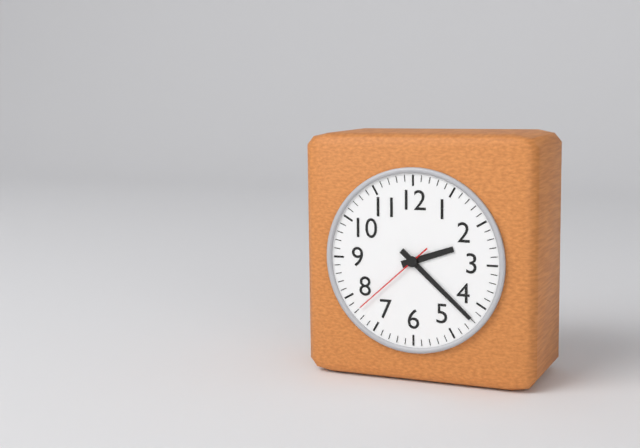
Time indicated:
{"hour": 2, "minute": 22, "second": 38}
